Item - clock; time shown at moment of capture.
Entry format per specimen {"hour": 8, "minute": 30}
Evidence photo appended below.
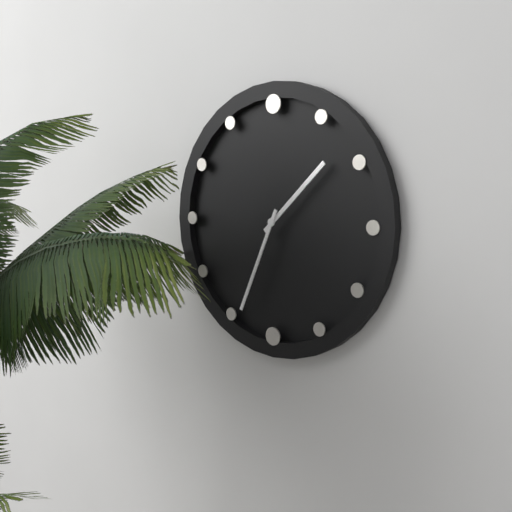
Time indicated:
{"hour": 1, "minute": 34}
